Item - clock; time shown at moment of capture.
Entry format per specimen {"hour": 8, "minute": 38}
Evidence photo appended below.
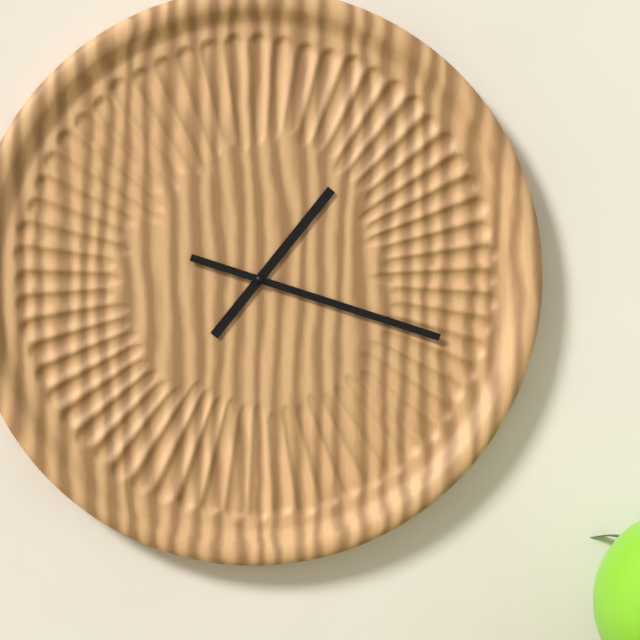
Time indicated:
{"hour": 1, "minute": 18}
